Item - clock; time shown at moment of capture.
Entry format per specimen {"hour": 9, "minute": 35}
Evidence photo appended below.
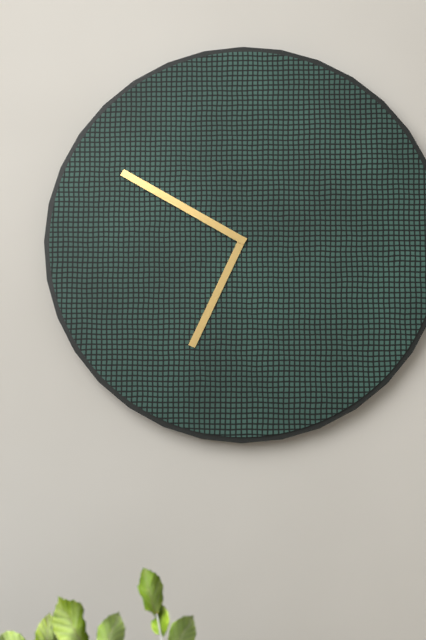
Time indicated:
{"hour": 6, "minute": 50}
